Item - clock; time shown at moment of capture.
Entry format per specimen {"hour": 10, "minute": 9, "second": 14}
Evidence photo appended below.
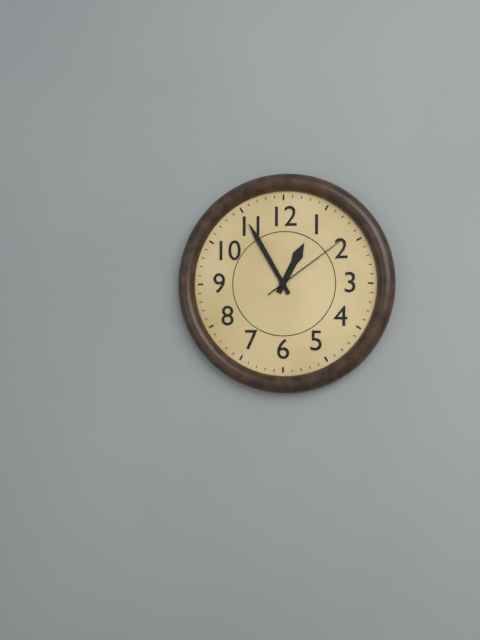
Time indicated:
{"hour": 12, "minute": 55, "second": 9}
